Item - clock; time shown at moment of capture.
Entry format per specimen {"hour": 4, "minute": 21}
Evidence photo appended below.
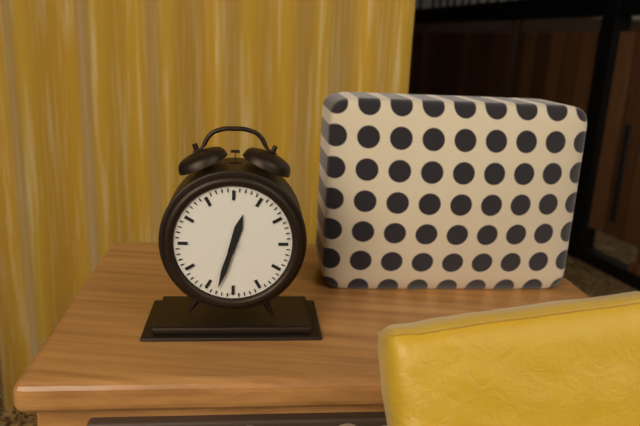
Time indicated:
{"hour": 12, "minute": 33}
